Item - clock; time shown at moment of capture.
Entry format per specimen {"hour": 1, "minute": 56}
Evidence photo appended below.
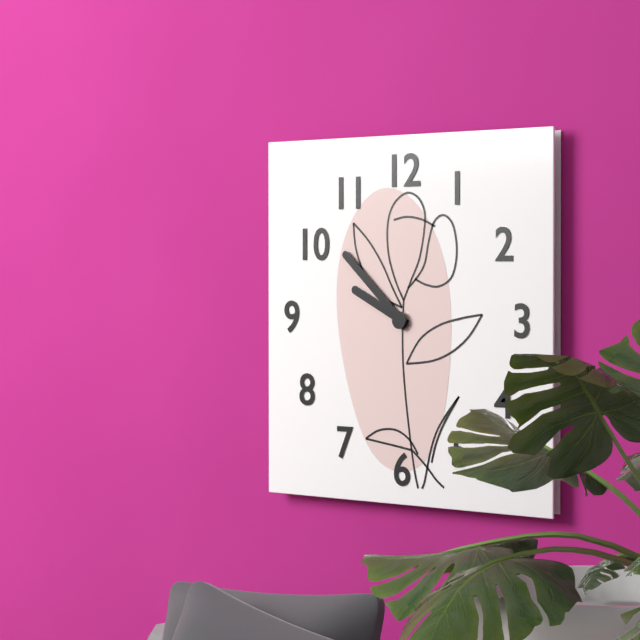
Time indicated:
{"hour": 9, "minute": 52}
